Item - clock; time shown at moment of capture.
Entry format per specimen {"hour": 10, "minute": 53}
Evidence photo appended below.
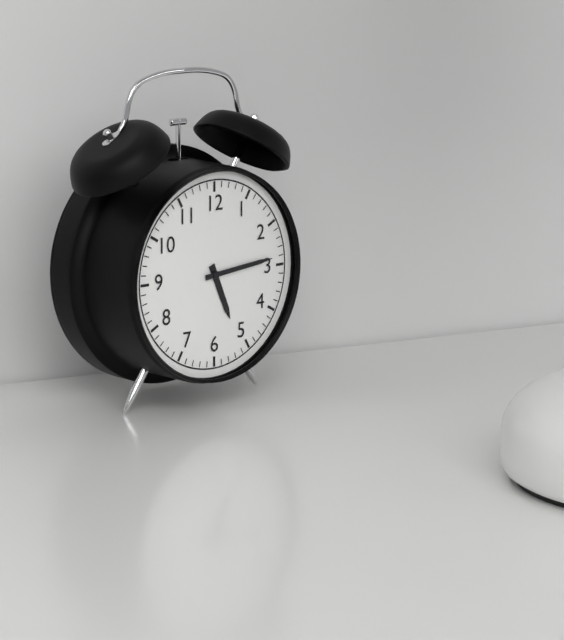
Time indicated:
{"hour": 5, "minute": 14}
